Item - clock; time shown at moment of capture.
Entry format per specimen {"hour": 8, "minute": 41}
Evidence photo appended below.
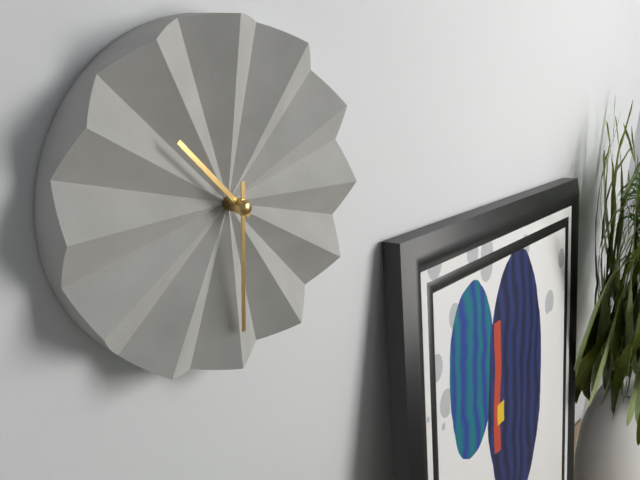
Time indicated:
{"hour": 10, "minute": 30}
